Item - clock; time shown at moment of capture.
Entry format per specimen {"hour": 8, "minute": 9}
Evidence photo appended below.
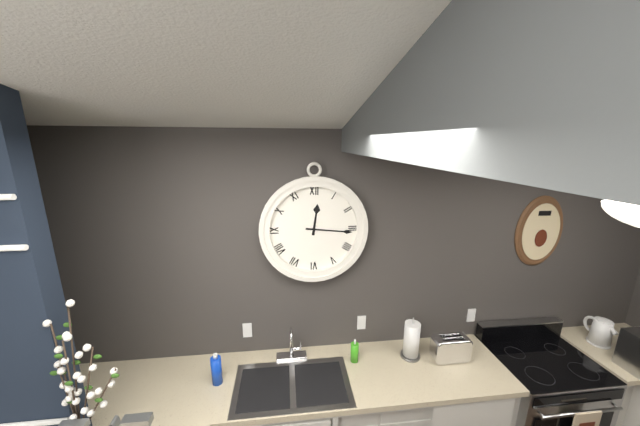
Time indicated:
{"hour": 12, "minute": 16}
